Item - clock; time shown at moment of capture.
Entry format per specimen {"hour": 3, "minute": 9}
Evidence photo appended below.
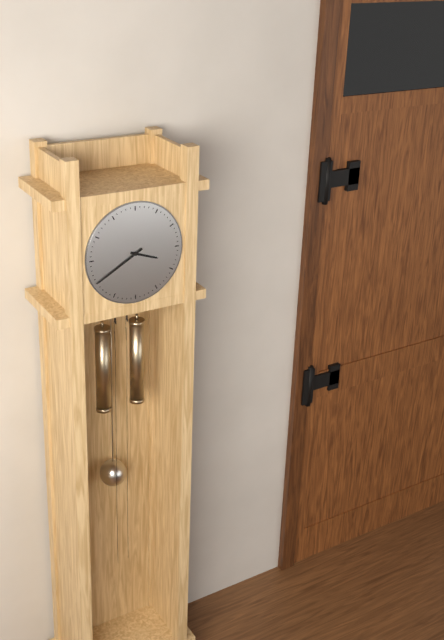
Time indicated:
{"hour": 3, "minute": 40}
